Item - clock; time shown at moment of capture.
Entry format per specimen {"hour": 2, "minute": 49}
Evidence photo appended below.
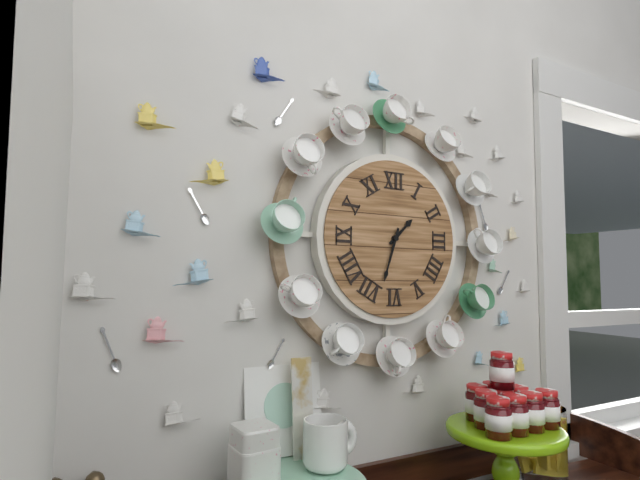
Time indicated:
{"hour": 1, "minute": 33}
